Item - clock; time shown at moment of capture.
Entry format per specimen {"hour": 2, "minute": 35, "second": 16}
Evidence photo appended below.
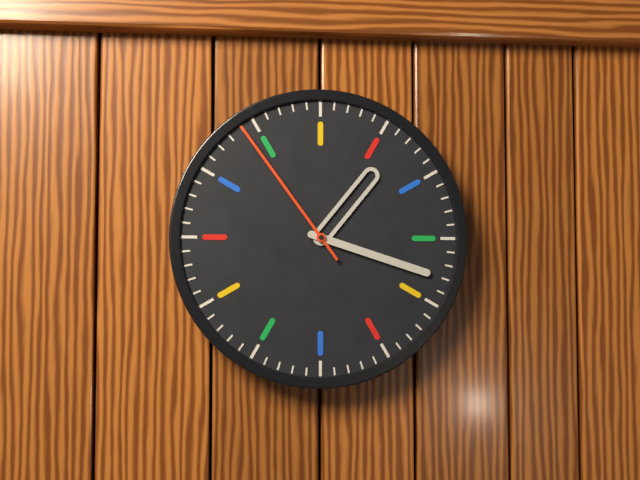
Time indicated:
{"hour": 1, "minute": 18, "second": 54}
